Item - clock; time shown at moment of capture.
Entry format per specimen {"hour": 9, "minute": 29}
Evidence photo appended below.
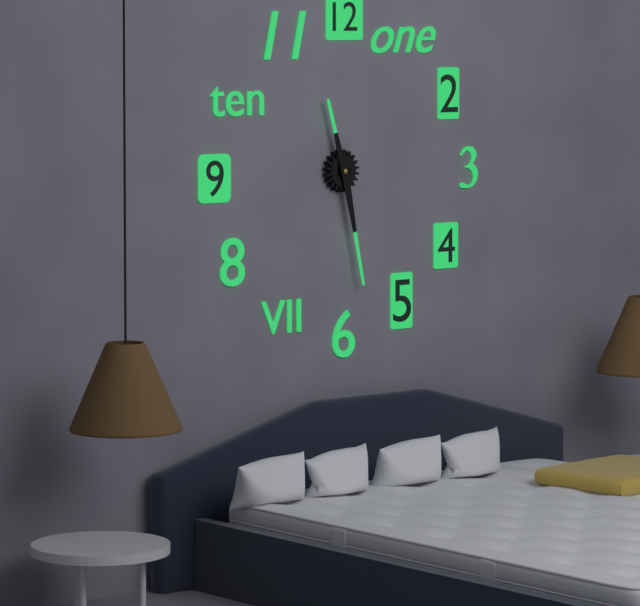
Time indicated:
{"hour": 11, "minute": 28}
